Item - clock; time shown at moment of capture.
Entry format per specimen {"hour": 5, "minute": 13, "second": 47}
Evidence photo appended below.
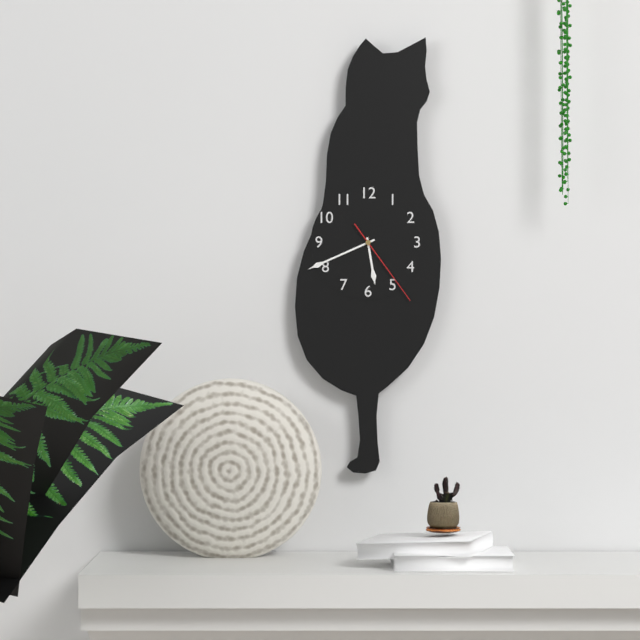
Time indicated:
{"hour": 5, "minute": 41, "second": 24}
